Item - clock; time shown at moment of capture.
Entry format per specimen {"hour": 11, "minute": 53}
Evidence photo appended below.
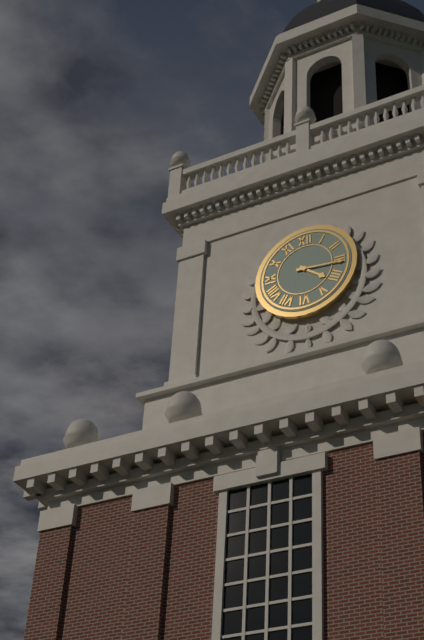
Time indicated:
{"hour": 4, "minute": 16}
